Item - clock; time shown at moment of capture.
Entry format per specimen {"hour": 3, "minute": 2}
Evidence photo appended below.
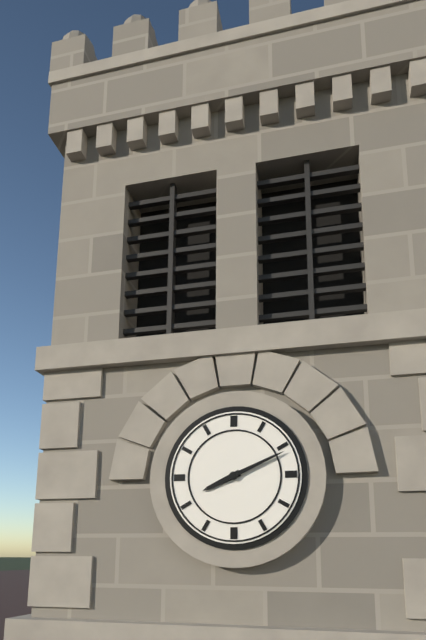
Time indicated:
{"hour": 8, "minute": 11}
